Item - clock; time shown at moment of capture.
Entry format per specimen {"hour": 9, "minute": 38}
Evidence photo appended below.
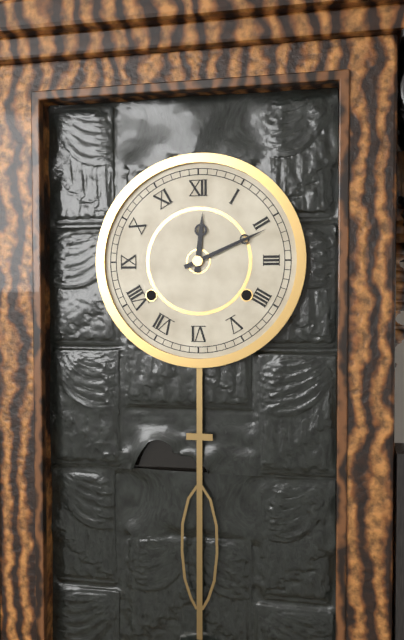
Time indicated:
{"hour": 12, "minute": 11}
